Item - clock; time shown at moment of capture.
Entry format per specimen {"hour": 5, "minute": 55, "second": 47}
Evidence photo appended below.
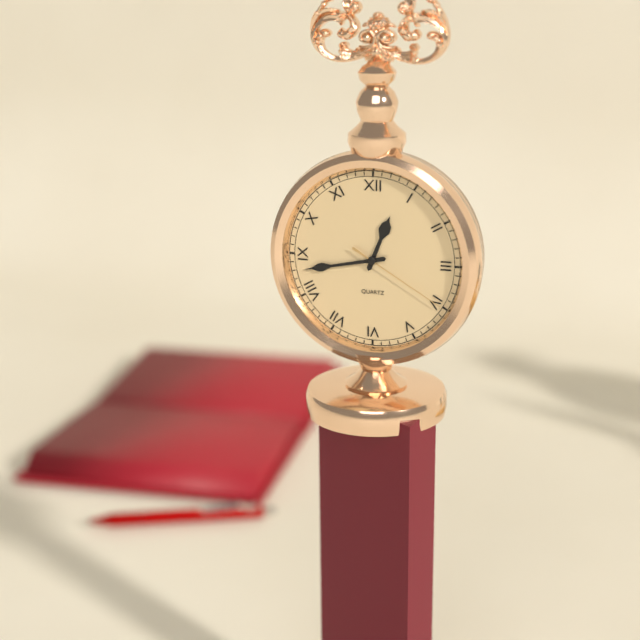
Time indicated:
{"hour": 12, "minute": 43, "second": 20}
